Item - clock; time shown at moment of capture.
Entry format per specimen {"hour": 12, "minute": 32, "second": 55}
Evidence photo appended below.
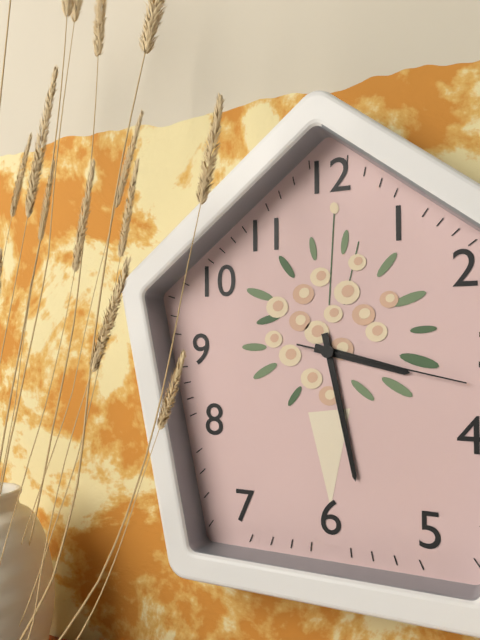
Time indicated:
{"hour": 3, "minute": 28, "second": 17}
